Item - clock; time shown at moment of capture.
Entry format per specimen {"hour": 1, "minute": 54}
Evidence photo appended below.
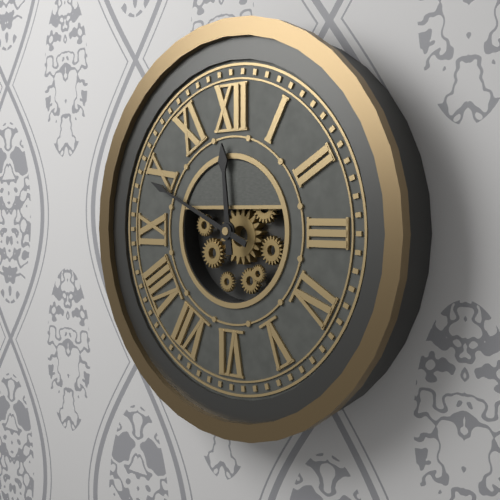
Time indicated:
{"hour": 11, "minute": 49}
